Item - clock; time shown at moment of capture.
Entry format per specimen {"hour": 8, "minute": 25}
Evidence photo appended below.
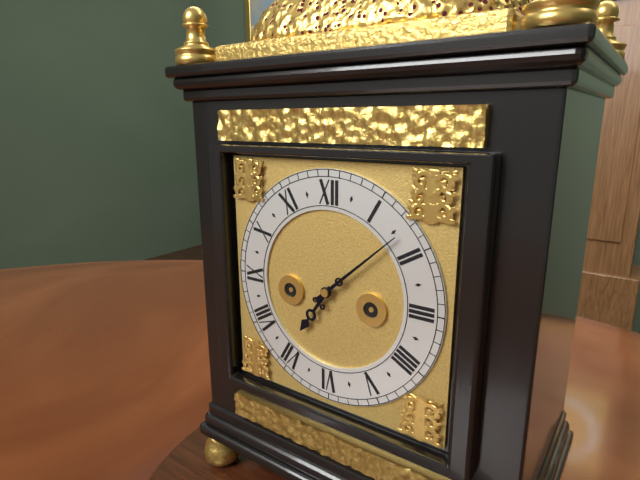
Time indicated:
{"hour": 7, "minute": 8}
